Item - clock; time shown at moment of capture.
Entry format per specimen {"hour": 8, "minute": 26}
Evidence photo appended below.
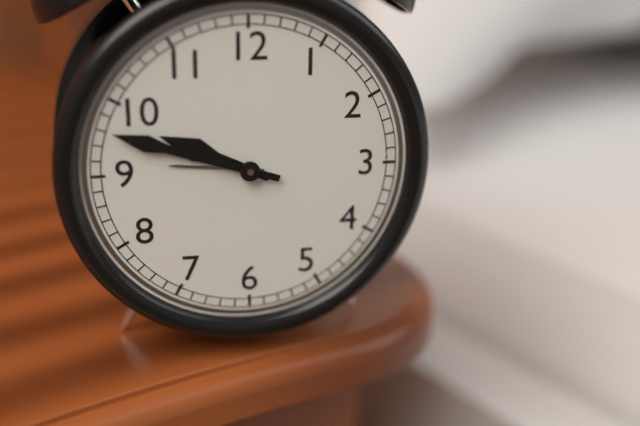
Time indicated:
{"hour": 9, "minute": 48}
